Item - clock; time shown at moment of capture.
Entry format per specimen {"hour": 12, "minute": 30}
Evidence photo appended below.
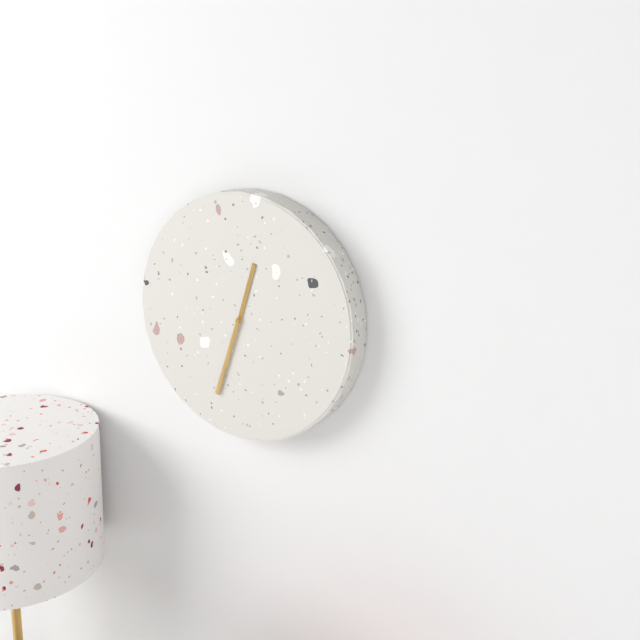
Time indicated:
{"hour": 12, "minute": 33}
